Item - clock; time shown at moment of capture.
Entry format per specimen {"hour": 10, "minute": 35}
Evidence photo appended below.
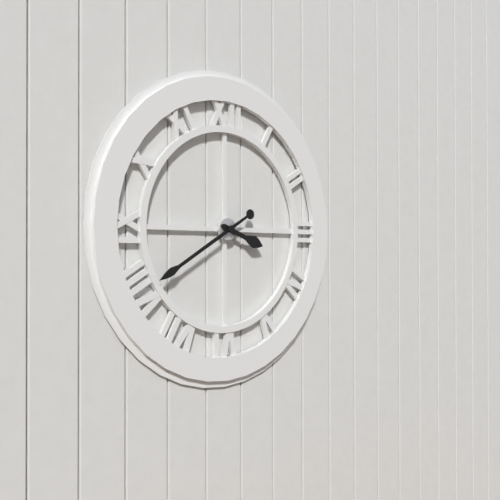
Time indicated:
{"hour": 3, "minute": 40}
